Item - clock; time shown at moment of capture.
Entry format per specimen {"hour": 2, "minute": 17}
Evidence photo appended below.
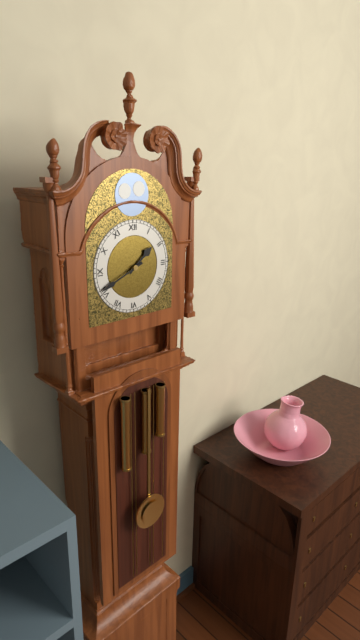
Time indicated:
{"hour": 1, "minute": 41}
